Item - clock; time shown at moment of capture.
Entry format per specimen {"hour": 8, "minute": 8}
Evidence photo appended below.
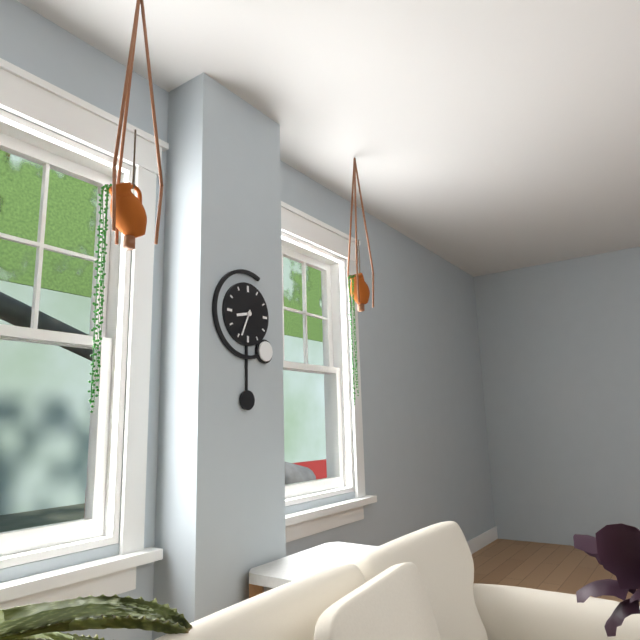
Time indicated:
{"hour": 8, "minute": 34}
